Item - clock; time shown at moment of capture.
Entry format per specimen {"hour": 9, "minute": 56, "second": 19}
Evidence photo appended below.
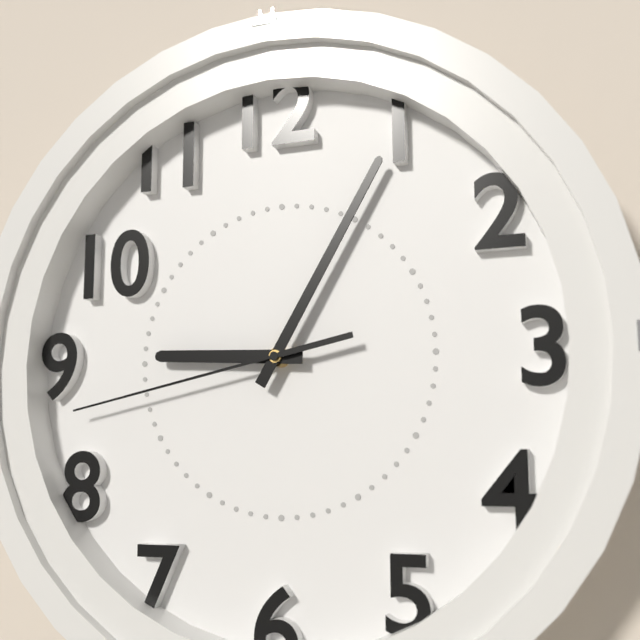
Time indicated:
{"hour": 9, "minute": 5, "second": 43}
